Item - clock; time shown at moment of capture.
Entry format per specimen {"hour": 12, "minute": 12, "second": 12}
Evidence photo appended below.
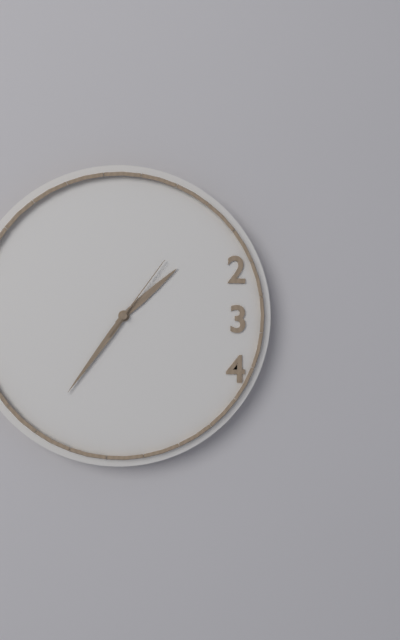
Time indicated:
{"hour": 1, "minute": 36, "second": 6}
